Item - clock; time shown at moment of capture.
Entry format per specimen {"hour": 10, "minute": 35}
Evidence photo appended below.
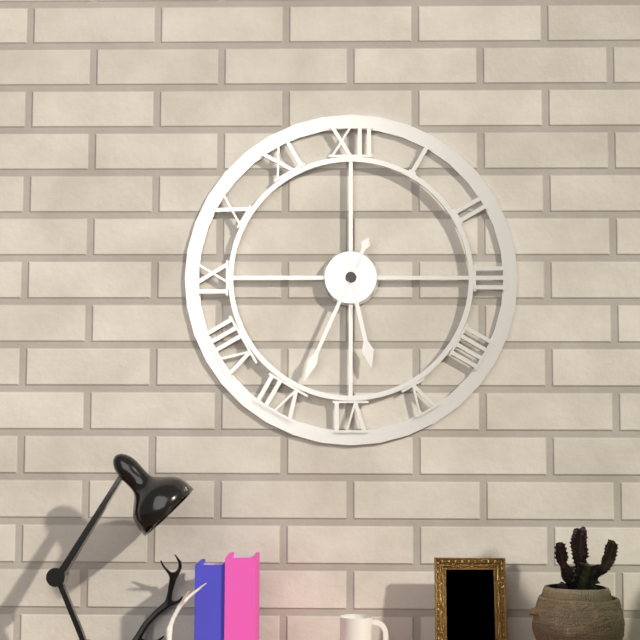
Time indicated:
{"hour": 5, "minute": 34}
